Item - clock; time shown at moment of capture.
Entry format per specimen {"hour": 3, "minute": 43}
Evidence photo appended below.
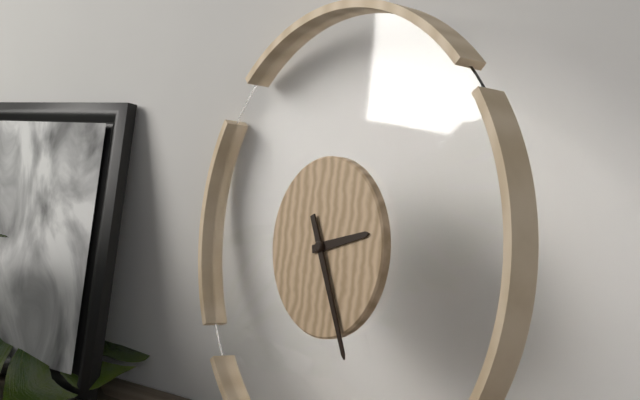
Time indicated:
{"hour": 2, "minute": 25}
